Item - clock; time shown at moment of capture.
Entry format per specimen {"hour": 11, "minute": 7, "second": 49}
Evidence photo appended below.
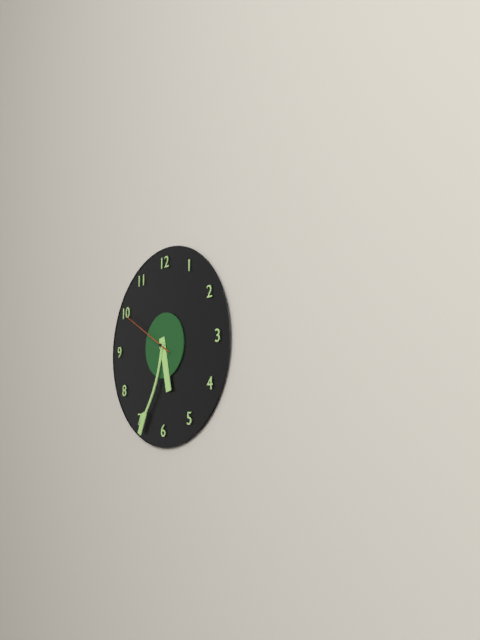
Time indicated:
{"hour": 5, "minute": 34, "second": 50}
